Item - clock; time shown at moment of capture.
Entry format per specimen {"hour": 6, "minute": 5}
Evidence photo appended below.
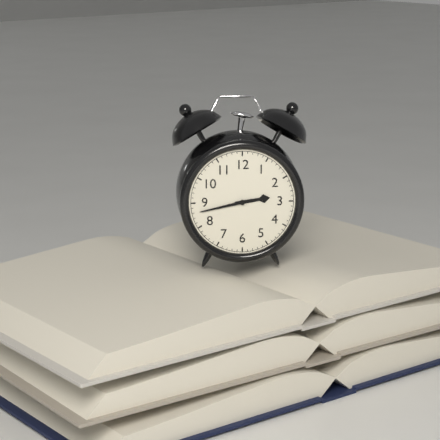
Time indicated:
{"hour": 2, "minute": 43}
